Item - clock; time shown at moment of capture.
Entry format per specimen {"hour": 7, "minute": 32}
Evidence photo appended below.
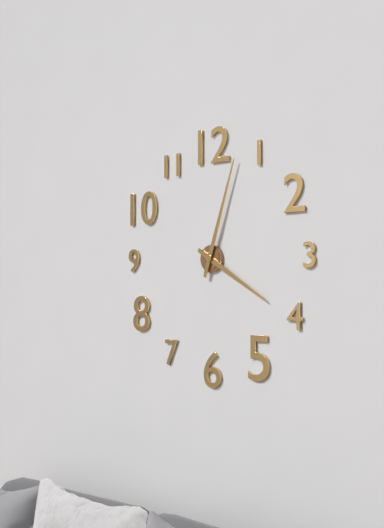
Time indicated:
{"hour": 4, "minute": 3}
